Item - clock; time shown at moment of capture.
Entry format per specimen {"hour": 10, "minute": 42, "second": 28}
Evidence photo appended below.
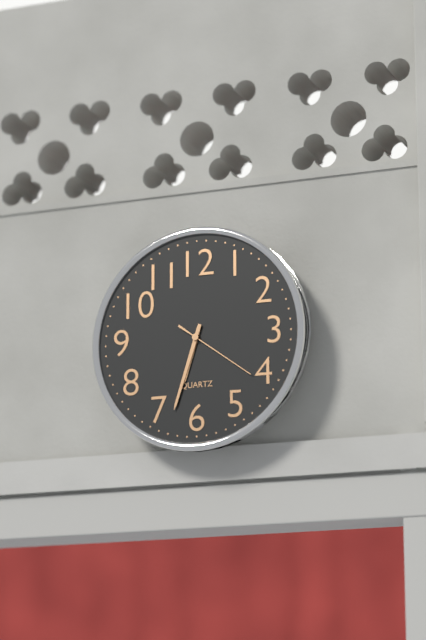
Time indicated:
{"hour": 6, "minute": 33, "second": 21}
